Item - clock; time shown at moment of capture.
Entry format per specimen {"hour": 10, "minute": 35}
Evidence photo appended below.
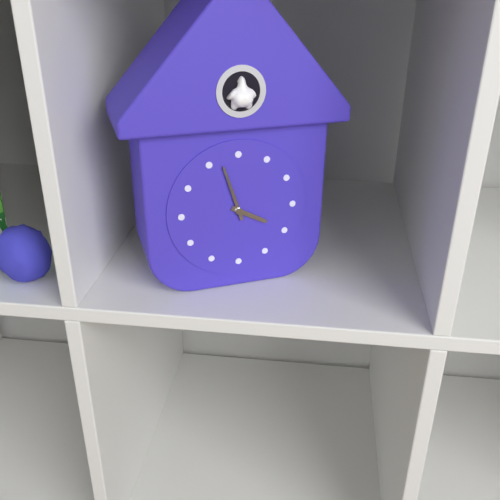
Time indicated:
{"hour": 3, "minute": 57}
